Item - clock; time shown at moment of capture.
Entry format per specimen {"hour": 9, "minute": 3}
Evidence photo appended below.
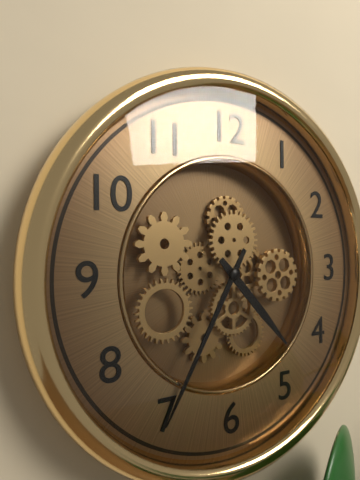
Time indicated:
{"hour": 4, "minute": 35}
